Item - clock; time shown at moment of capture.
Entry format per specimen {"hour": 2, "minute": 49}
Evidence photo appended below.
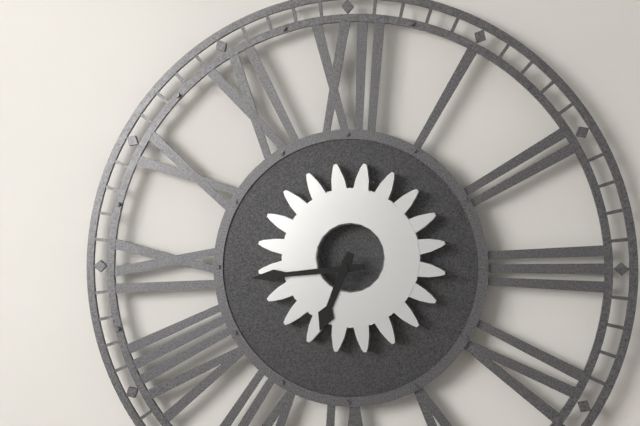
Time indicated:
{"hour": 6, "minute": 44}
